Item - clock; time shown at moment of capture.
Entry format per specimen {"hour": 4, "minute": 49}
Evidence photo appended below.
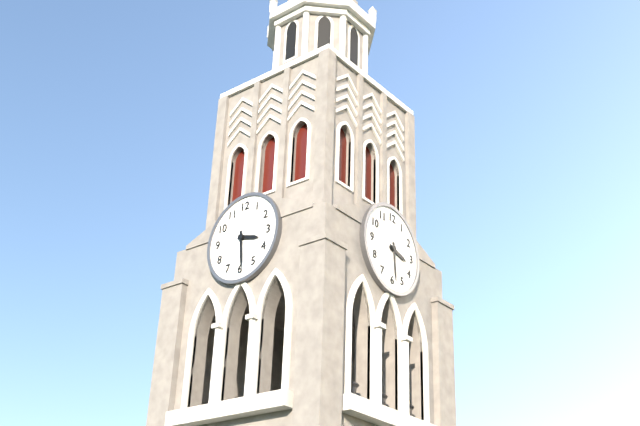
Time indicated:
{"hour": 3, "minute": 29}
